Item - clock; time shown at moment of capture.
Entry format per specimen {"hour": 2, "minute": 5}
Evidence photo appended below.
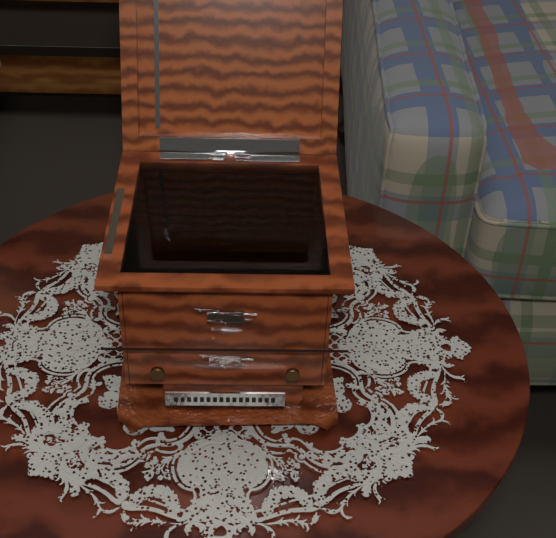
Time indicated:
{"hour": 8, "minute": 35}
